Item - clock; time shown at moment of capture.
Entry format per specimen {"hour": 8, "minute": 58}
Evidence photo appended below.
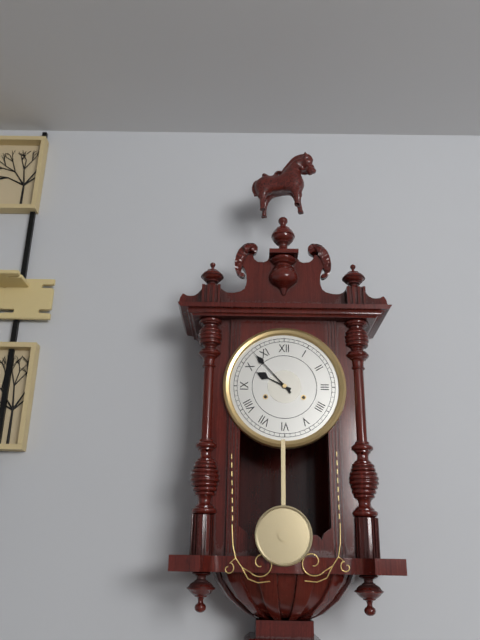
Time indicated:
{"hour": 9, "minute": 53}
